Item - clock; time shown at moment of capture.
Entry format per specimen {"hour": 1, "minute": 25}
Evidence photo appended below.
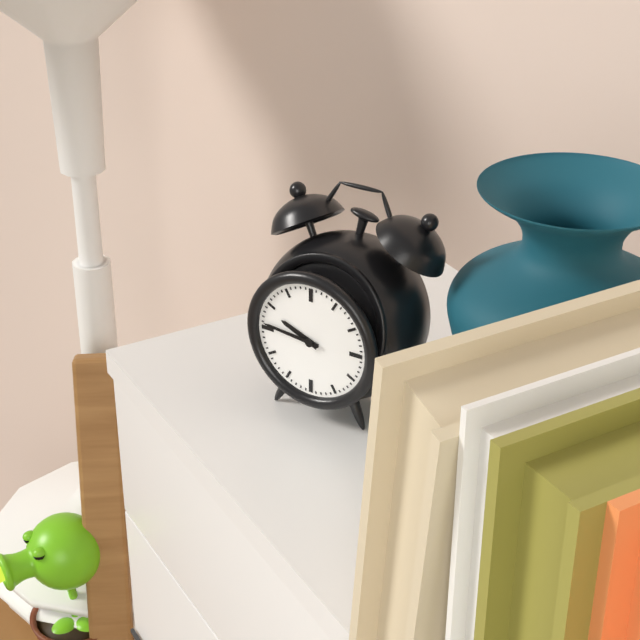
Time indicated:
{"hour": 9, "minute": 46}
